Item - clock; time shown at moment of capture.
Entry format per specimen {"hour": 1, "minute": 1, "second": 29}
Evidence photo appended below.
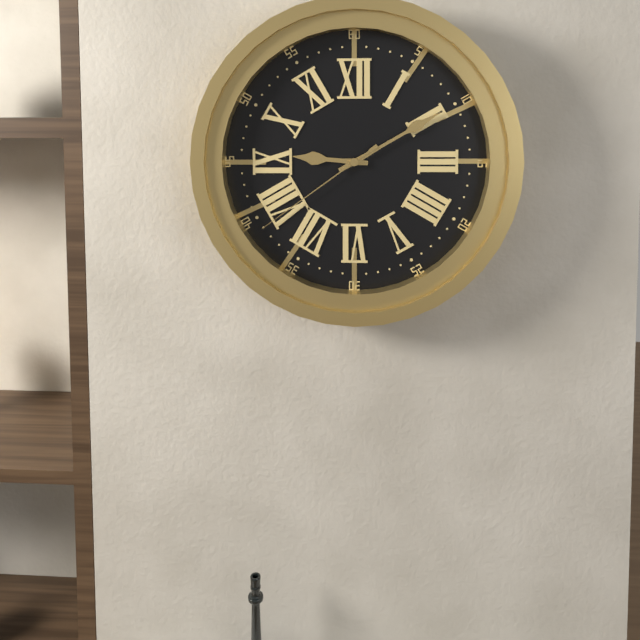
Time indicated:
{"hour": 9, "minute": 10, "second": 39}
